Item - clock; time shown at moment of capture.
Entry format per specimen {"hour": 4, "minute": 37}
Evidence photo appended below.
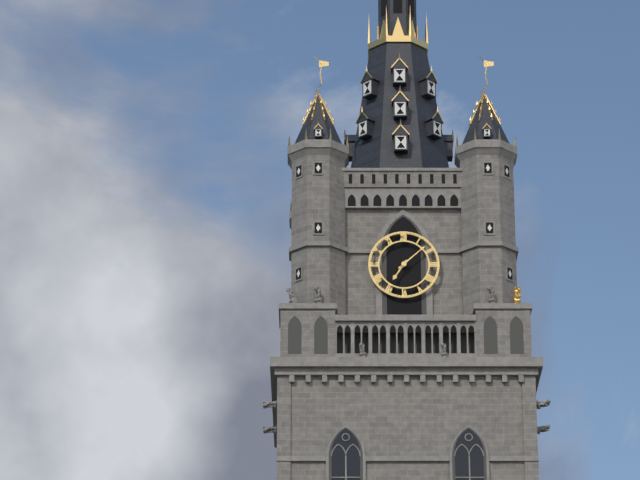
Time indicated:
{"hour": 7, "minute": 8}
